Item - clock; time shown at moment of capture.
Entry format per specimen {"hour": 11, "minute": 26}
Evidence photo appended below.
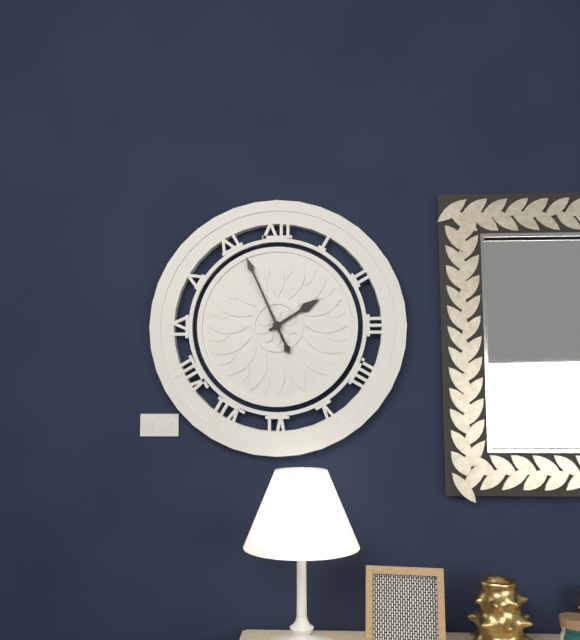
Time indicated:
{"hour": 1, "minute": 56}
